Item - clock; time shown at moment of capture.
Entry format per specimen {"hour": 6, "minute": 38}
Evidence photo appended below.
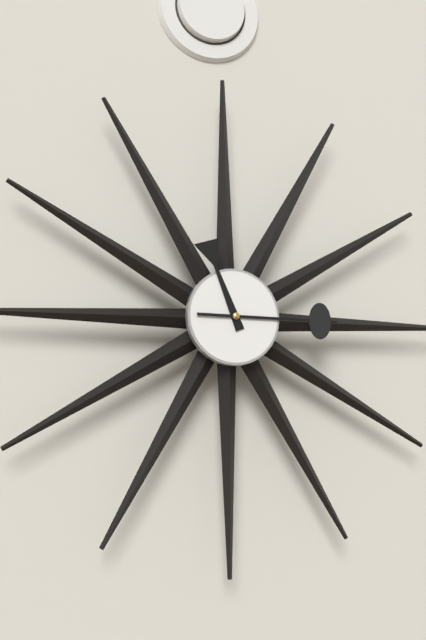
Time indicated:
{"hour": 11, "minute": 15}
